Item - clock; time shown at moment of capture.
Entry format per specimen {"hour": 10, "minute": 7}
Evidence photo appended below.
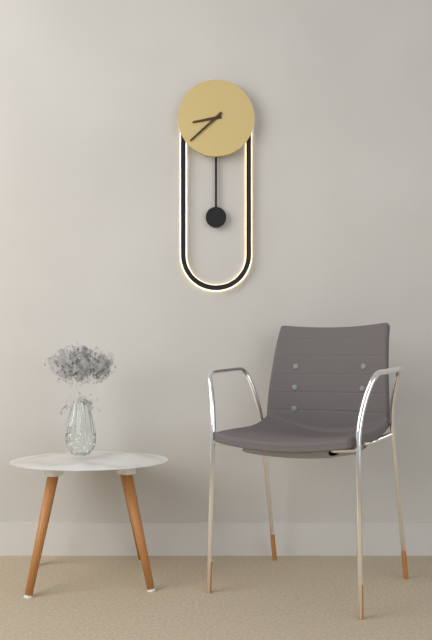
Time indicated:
{"hour": 8, "minute": 38}
